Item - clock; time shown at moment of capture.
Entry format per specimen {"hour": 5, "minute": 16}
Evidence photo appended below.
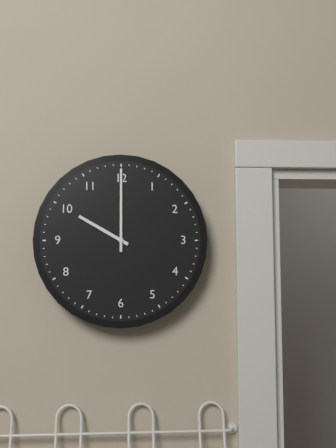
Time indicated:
{"hour": 10, "minute": 0}
